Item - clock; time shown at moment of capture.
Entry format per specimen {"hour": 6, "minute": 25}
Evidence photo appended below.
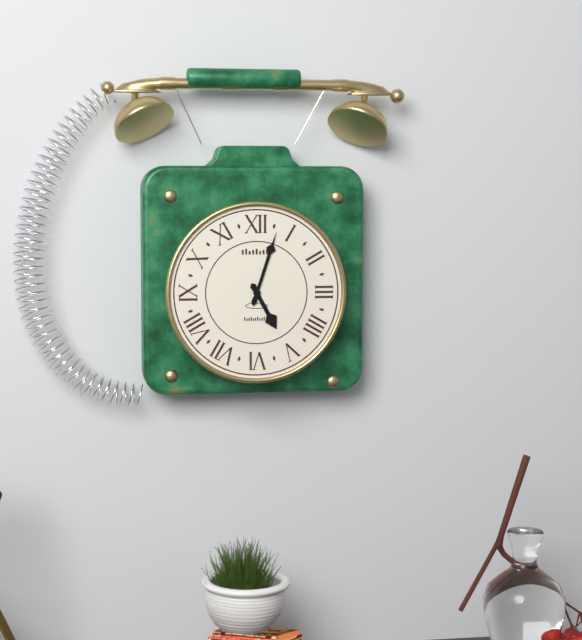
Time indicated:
{"hour": 5, "minute": 3}
